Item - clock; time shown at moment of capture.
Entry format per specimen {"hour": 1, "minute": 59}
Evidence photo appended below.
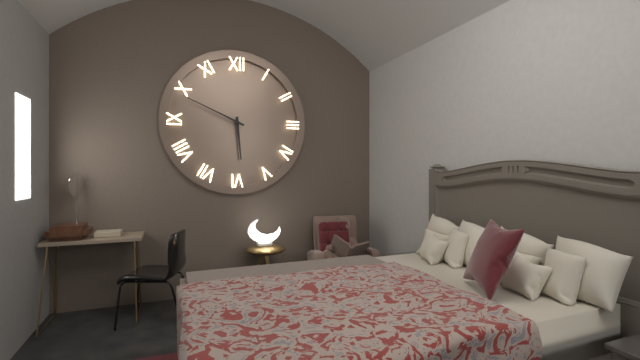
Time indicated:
{"hour": 5, "minute": 49}
